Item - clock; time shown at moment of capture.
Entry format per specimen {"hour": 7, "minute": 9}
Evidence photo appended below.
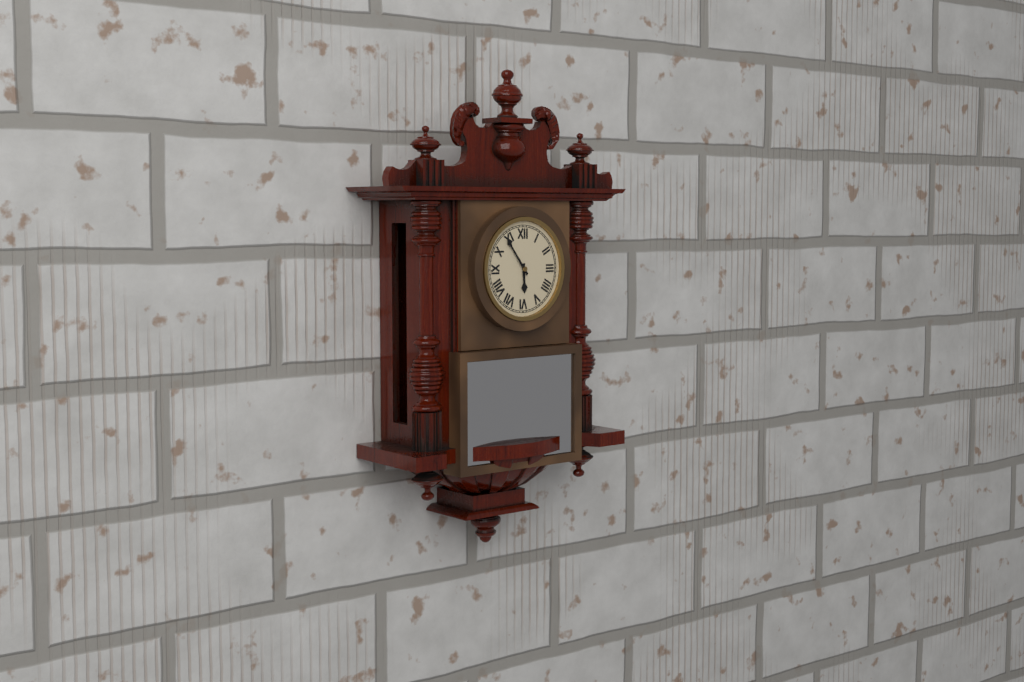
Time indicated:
{"hour": 5, "minute": 54}
